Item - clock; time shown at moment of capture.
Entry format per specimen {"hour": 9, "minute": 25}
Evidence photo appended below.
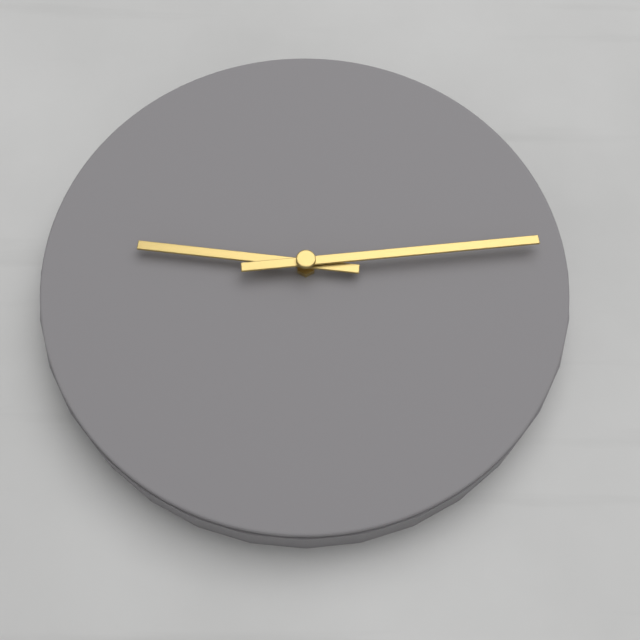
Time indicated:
{"hour": 9, "minute": 14}
